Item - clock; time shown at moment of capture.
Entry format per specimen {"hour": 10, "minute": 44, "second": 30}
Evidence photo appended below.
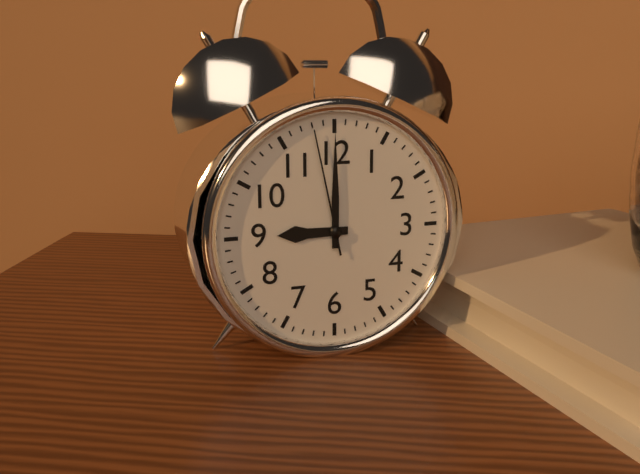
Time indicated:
{"hour": 9, "minute": 0, "second": 58}
